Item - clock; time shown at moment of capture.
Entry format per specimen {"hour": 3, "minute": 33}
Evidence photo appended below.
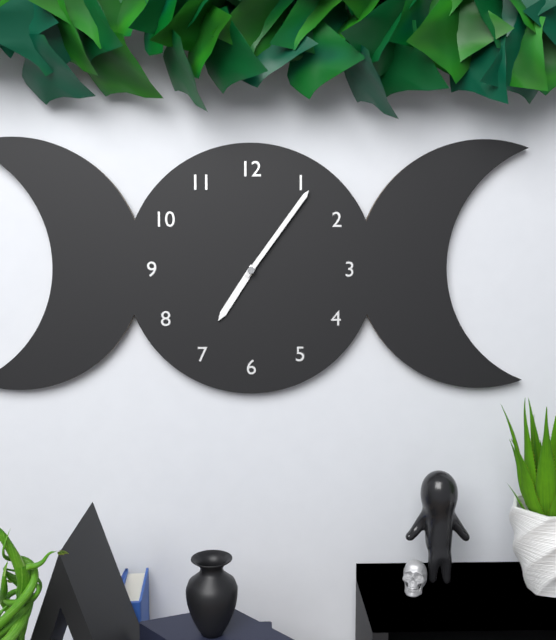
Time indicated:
{"hour": 7, "minute": 6}
